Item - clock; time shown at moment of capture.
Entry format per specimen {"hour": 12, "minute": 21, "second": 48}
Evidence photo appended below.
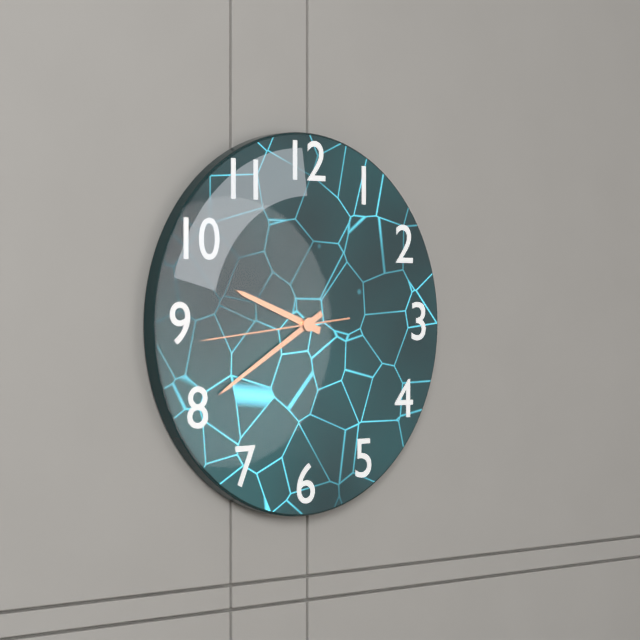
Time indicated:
{"hour": 9, "minute": 40, "second": 44}
